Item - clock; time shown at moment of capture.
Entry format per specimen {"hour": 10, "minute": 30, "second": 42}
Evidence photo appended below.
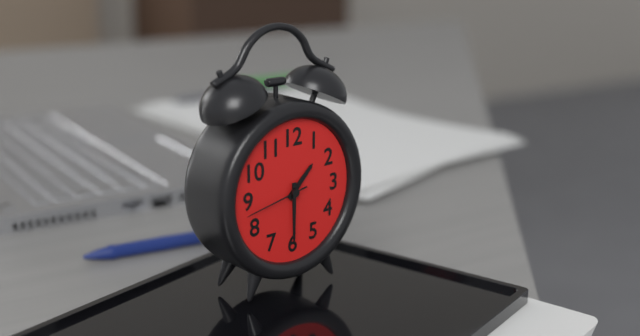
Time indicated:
{"hour": 1, "minute": 30, "second": 43}
